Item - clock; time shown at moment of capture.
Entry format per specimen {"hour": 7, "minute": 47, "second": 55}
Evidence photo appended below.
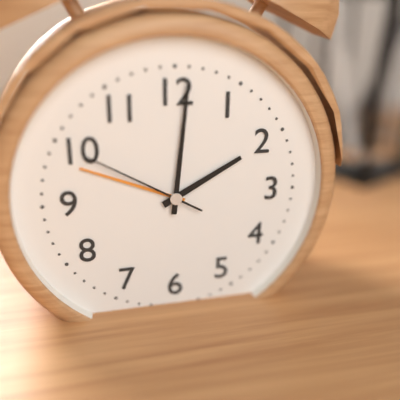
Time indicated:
{"hour": 2, "minute": 1, "second": 50}
